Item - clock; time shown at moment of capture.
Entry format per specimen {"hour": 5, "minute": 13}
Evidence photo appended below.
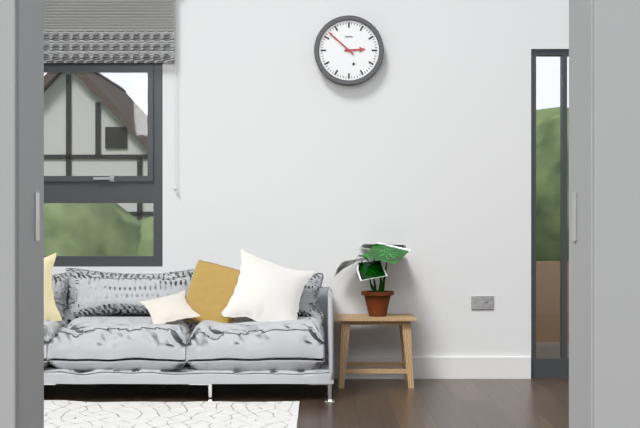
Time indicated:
{"hour": 2, "minute": 52}
